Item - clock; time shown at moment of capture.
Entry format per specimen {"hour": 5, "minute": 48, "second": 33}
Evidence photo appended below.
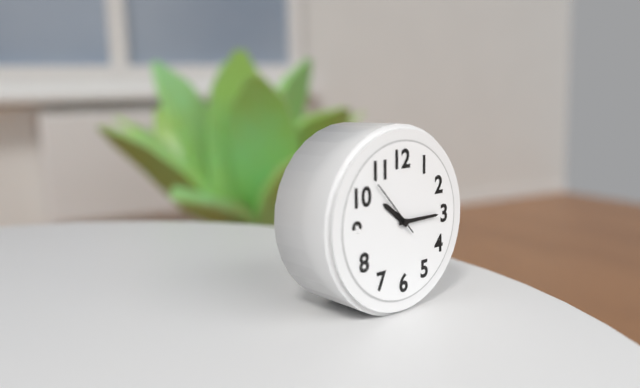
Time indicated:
{"hour": 10, "minute": 15, "second": 53}
